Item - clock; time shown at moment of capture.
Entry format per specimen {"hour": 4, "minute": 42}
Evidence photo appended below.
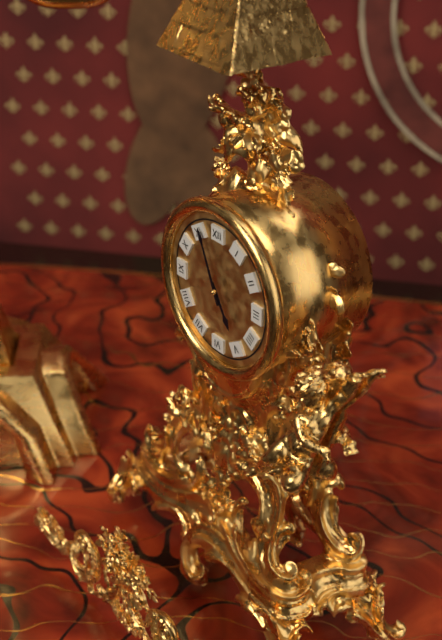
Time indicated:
{"hour": 4, "minute": 56}
